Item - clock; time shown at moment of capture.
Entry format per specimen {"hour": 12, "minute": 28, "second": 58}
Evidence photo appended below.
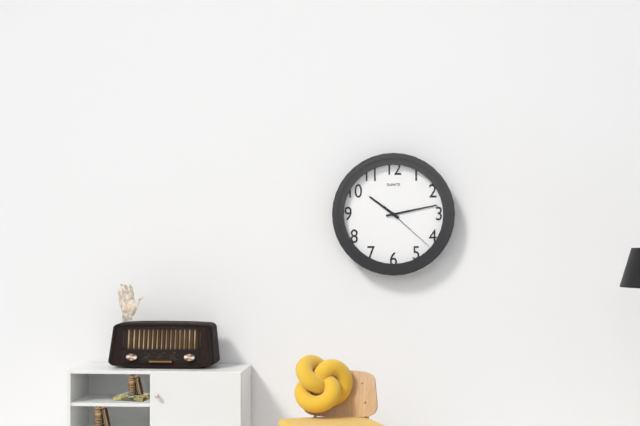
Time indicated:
{"hour": 10, "minute": 13, "second": 22}
